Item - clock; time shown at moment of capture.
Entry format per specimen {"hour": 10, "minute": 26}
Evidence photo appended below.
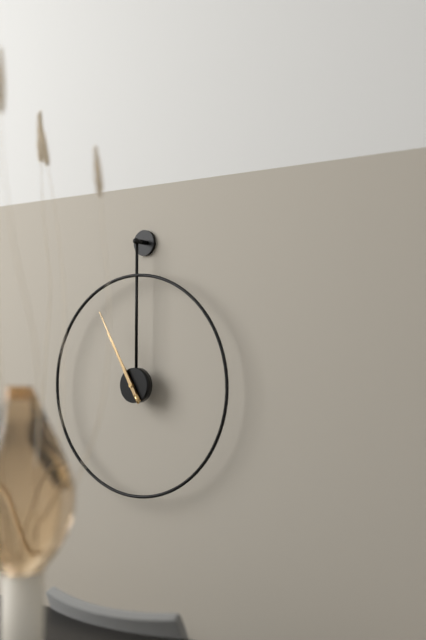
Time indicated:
{"hour": 10, "minute": 55}
